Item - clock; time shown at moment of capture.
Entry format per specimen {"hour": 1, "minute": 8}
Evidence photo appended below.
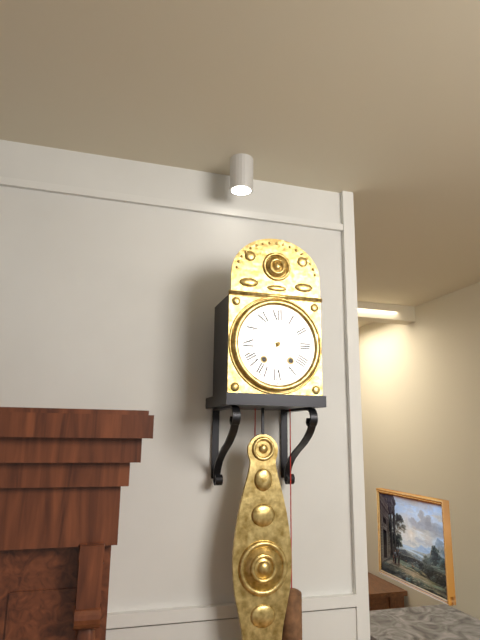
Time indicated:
{"hour": 9, "minute": 42}
